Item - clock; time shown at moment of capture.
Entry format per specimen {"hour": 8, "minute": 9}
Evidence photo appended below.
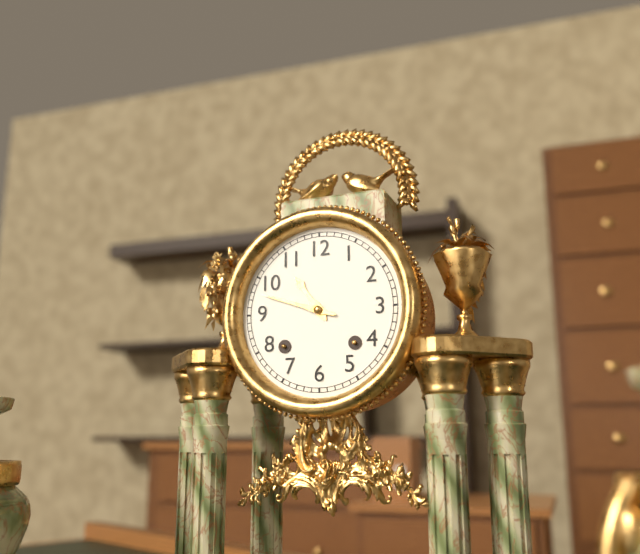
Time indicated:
{"hour": 10, "minute": 48}
